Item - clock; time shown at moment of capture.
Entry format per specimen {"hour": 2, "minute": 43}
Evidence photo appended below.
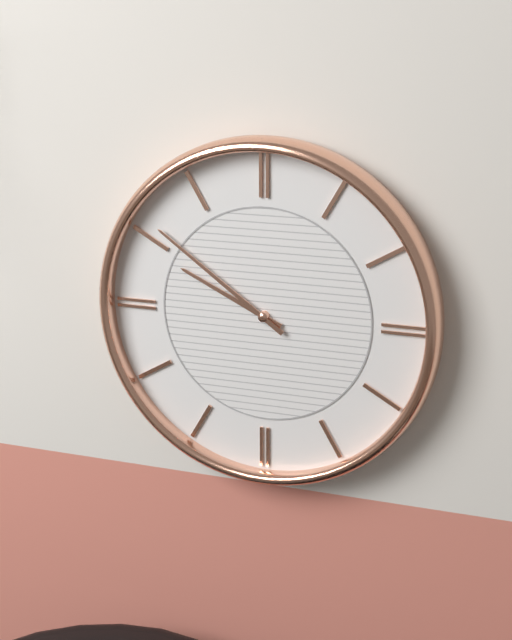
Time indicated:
{"hour": 9, "minute": 51}
